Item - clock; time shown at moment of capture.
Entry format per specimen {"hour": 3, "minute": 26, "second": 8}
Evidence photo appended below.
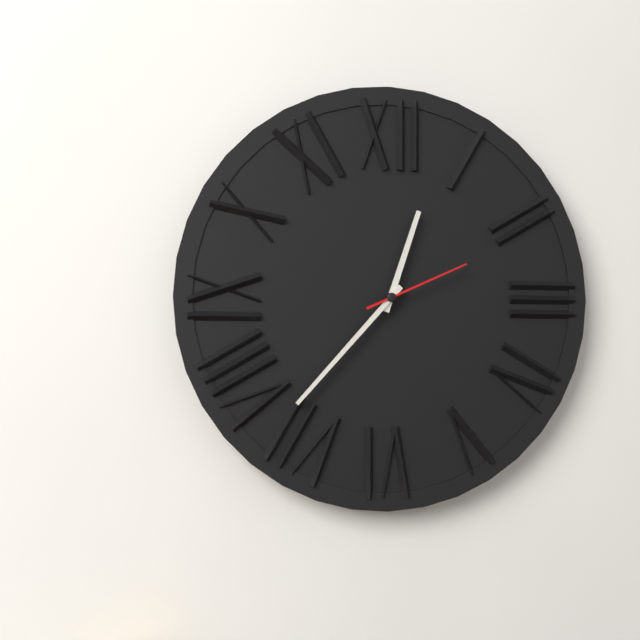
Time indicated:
{"hour": 12, "minute": 37, "second": 11}
